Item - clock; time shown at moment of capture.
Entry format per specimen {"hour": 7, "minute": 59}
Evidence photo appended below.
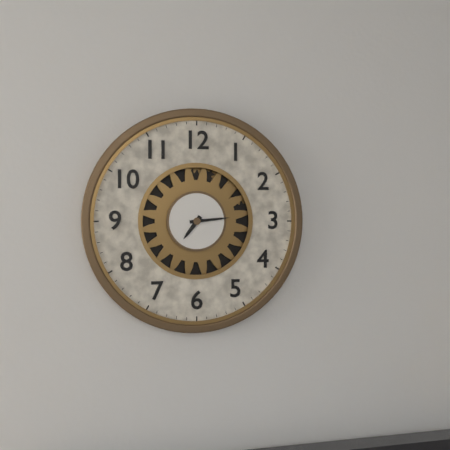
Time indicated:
{"hour": 7, "minute": 14}
